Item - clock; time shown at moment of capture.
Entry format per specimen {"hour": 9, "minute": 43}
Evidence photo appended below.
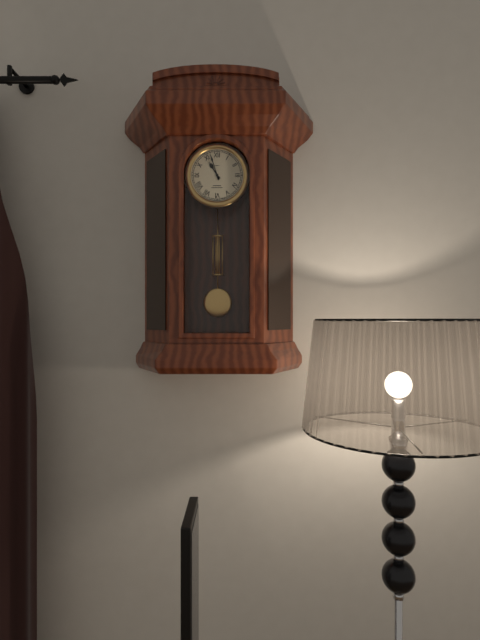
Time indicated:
{"hour": 10, "minute": 57}
